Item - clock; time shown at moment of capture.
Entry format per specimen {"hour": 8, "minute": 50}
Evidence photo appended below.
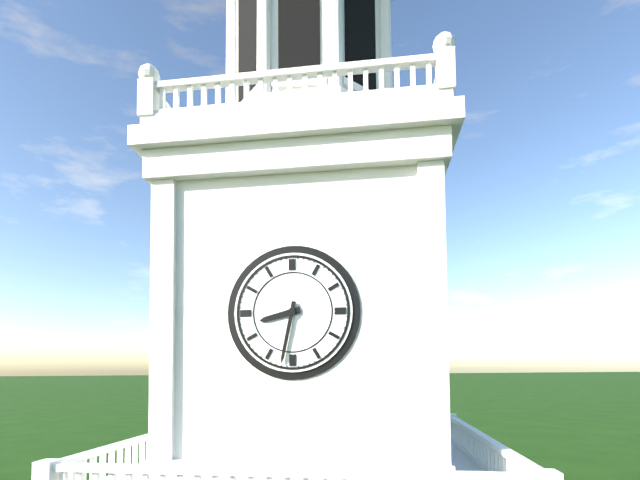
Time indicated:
{"hour": 8, "minute": 32}
